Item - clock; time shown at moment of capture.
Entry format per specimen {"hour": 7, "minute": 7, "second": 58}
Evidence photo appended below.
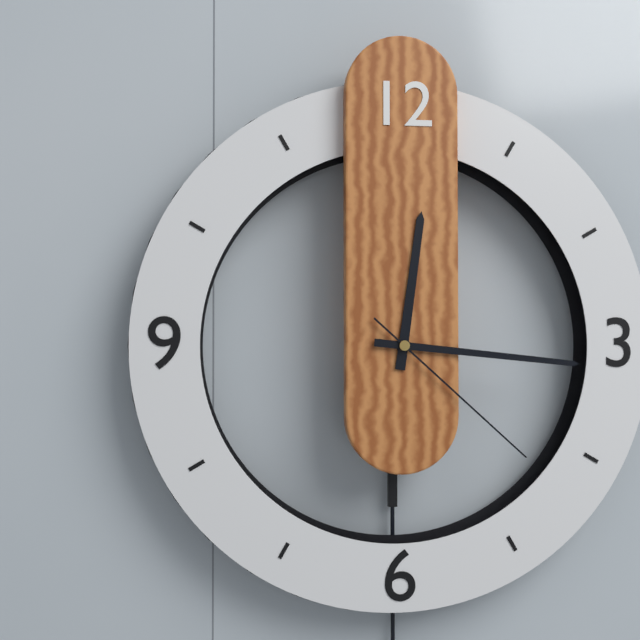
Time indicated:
{"hour": 12, "minute": 16, "second": 22}
